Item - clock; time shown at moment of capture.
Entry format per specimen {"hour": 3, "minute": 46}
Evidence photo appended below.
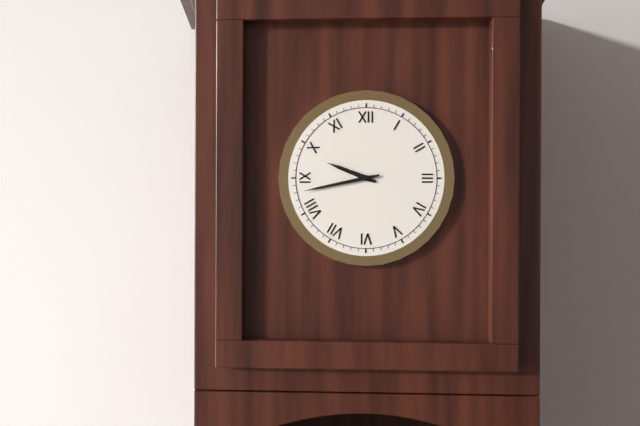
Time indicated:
{"hour": 9, "minute": 43}
